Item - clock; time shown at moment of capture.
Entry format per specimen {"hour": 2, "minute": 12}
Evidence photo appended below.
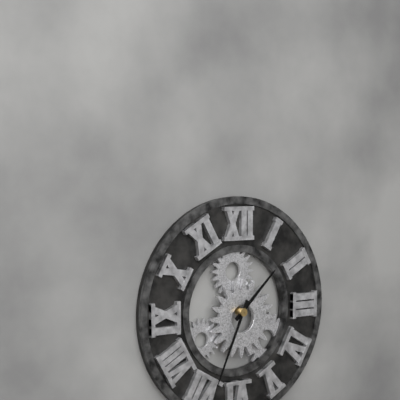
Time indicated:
{"hour": 1, "minute": 34}
